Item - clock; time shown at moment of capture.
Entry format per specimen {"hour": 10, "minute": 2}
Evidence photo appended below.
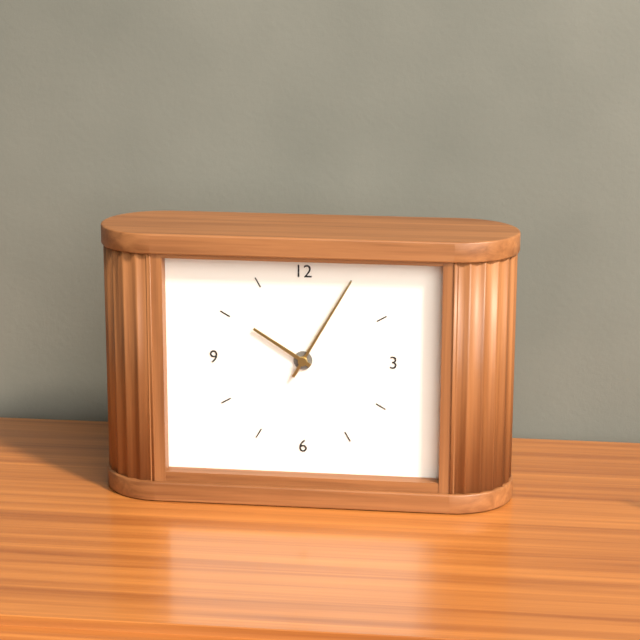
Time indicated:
{"hour": 10, "minute": 5}
